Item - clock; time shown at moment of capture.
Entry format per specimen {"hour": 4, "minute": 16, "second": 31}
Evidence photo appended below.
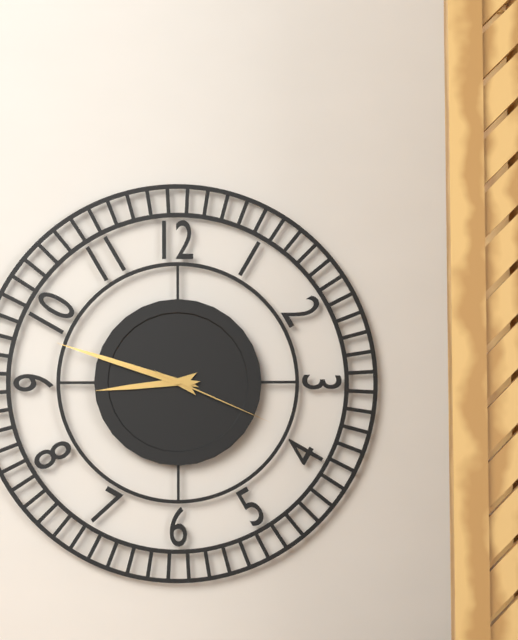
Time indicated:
{"hour": 8, "minute": 48, "second": 19}
